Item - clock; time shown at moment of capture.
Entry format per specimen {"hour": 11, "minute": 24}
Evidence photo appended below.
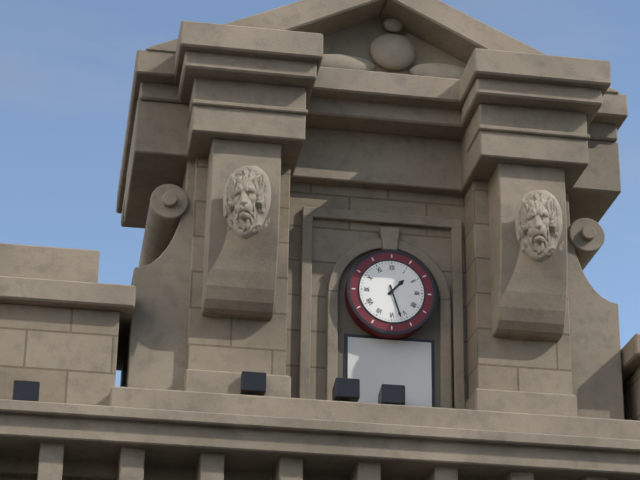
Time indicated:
{"hour": 1, "minute": 27}
